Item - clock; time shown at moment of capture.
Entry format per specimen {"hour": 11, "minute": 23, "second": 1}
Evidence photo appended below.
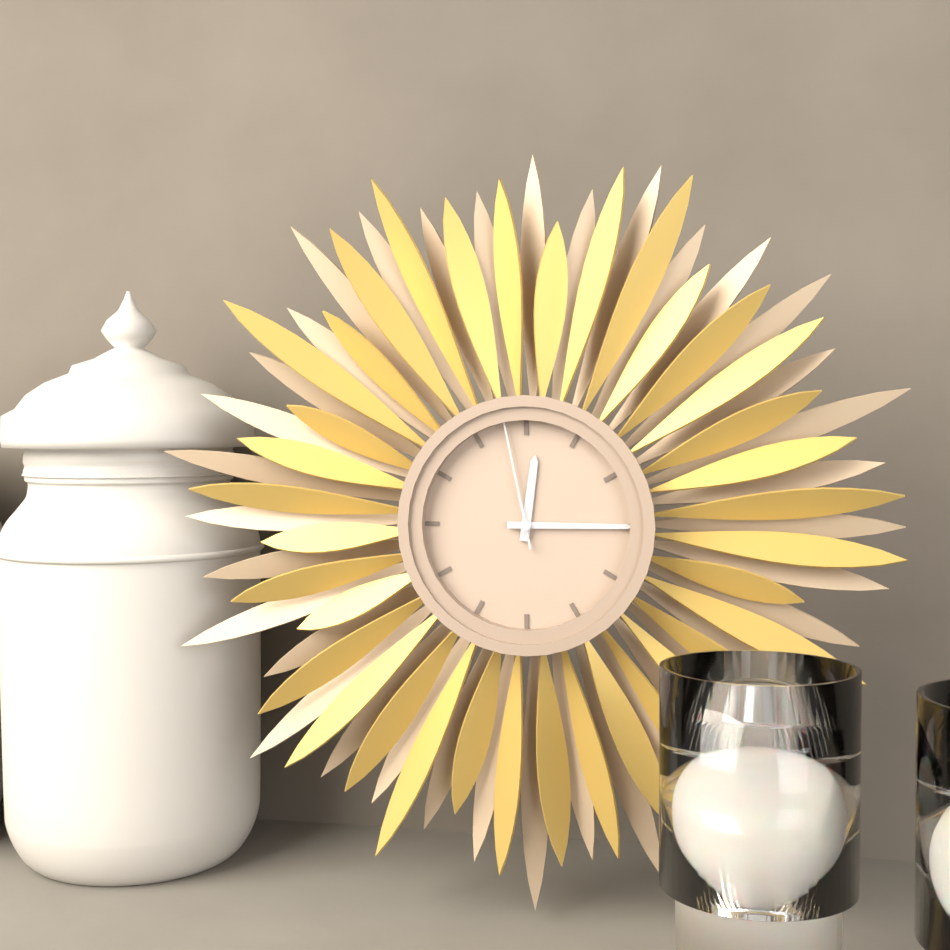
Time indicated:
{"hour": 12, "minute": 15, "second": 58}
